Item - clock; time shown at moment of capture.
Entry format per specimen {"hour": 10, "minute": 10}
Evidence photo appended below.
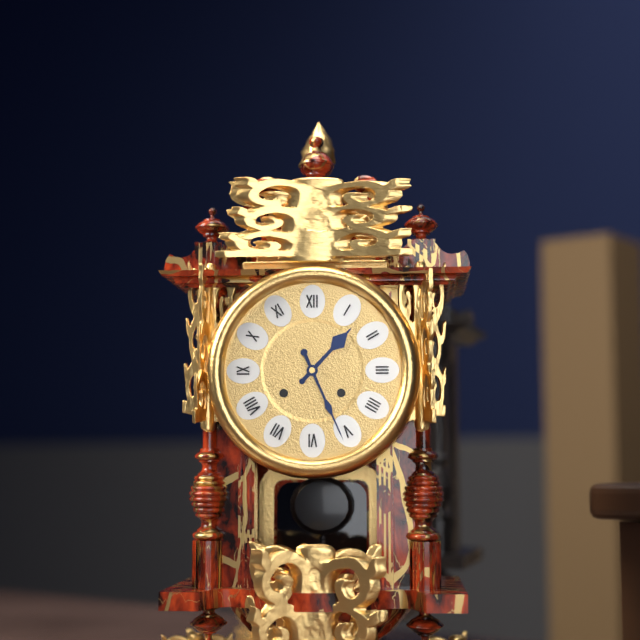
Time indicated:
{"hour": 1, "minute": 26}
